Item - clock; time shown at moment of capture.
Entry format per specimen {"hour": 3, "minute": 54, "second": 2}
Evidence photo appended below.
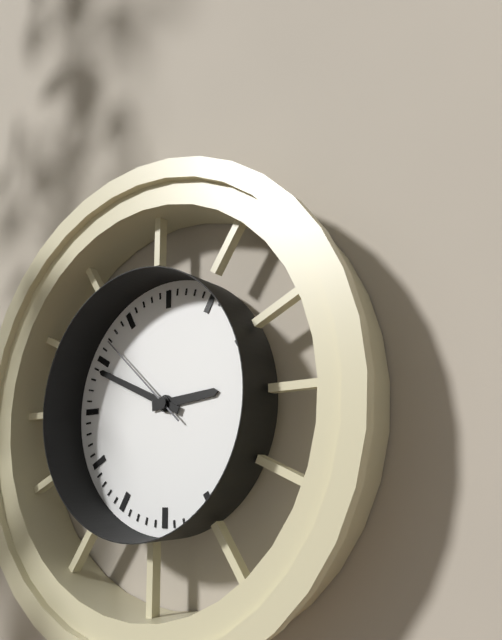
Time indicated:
{"hour": 2, "minute": 49, "second": 52}
